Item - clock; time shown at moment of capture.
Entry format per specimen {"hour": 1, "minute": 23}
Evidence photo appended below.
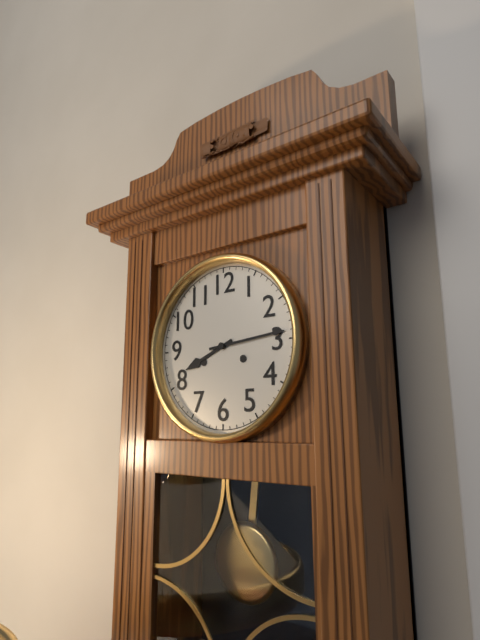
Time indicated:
{"hour": 8, "minute": 14}
